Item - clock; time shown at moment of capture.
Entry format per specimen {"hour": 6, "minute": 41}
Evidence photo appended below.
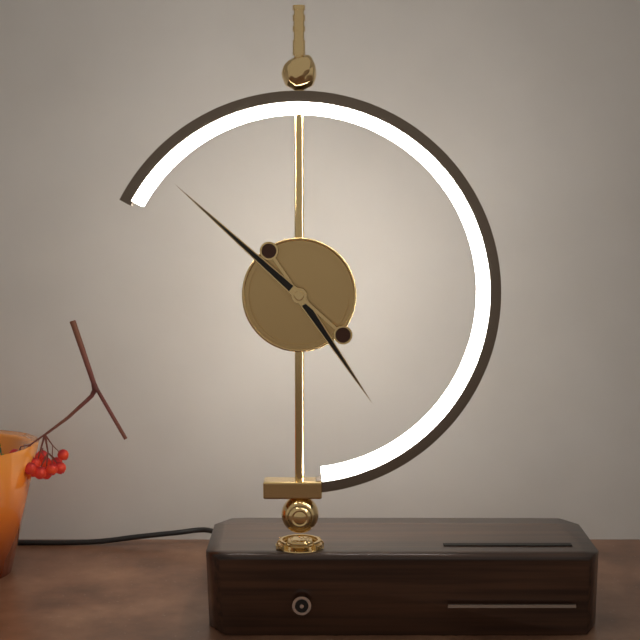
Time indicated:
{"hour": 4, "minute": 52}
